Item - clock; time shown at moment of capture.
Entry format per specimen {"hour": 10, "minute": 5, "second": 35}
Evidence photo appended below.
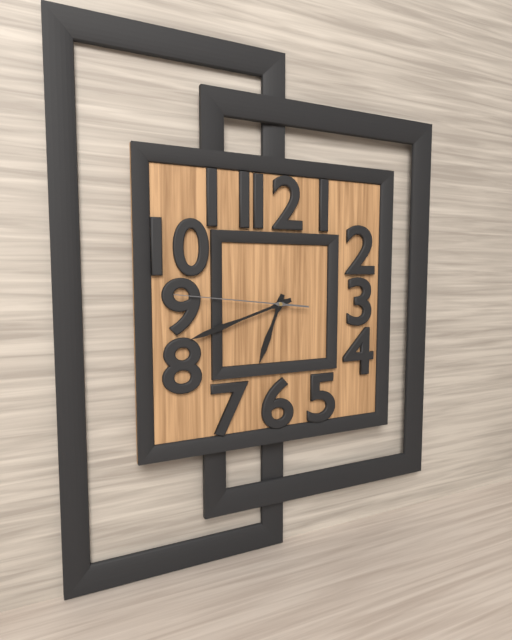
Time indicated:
{"hour": 6, "minute": 42, "second": 46}
